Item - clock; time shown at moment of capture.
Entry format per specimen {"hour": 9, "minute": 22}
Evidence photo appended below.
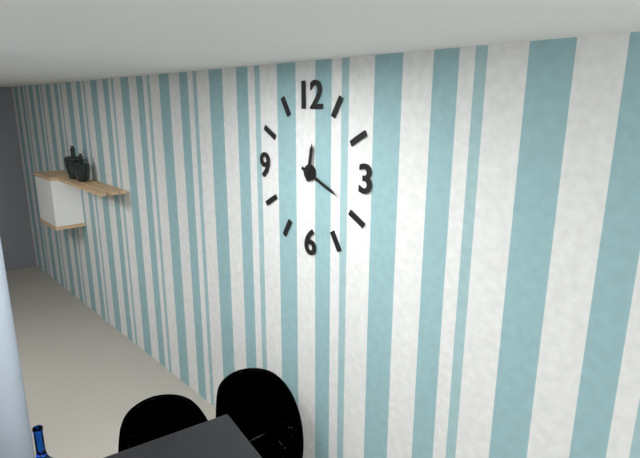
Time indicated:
{"hour": 12, "minute": 19}
